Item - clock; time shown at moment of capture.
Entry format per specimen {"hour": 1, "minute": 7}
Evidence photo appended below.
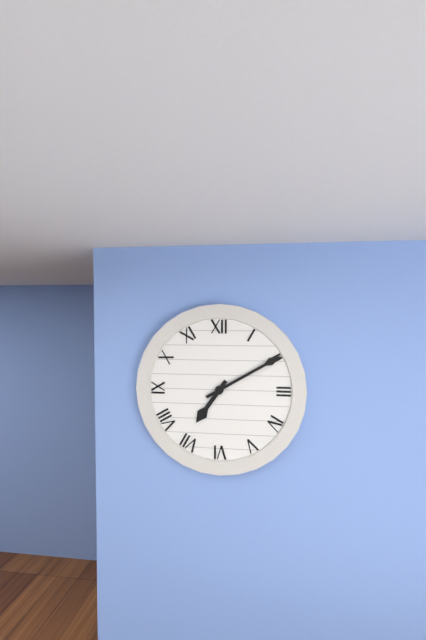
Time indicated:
{"hour": 7, "minute": 10}
